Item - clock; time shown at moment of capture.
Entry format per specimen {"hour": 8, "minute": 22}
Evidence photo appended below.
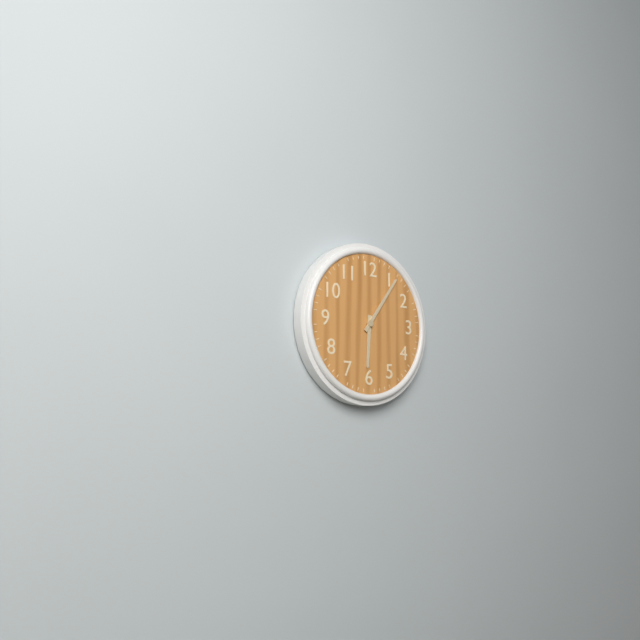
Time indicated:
{"hour": 6, "minute": 6}
